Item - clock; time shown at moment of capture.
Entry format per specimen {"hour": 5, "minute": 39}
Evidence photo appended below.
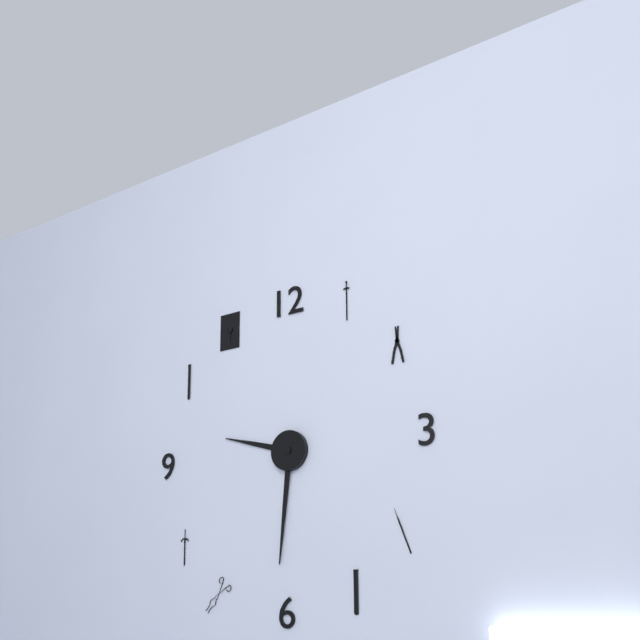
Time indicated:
{"hour": 9, "minute": 31}
